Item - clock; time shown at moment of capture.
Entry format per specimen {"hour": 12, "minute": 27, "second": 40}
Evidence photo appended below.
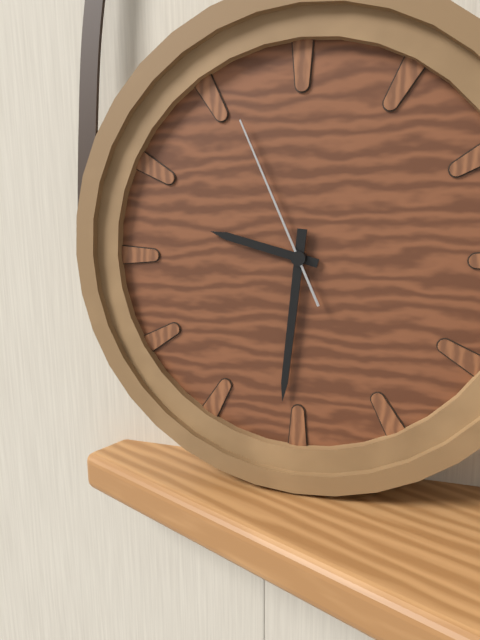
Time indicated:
{"hour": 9, "minute": 31, "second": 56}
